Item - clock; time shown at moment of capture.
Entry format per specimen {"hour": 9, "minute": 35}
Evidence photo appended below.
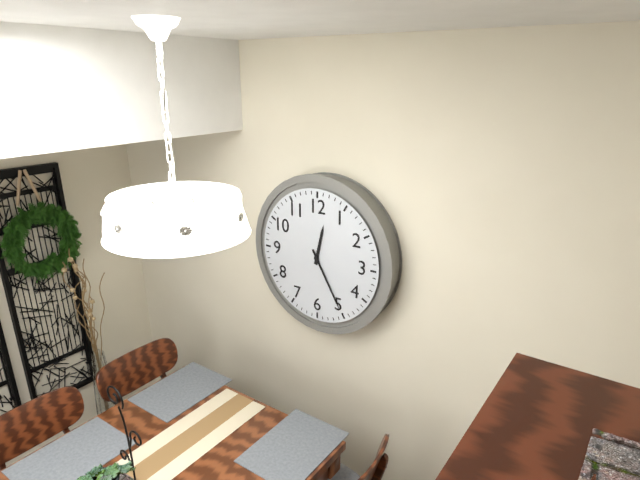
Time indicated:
{"hour": 12, "minute": 25}
